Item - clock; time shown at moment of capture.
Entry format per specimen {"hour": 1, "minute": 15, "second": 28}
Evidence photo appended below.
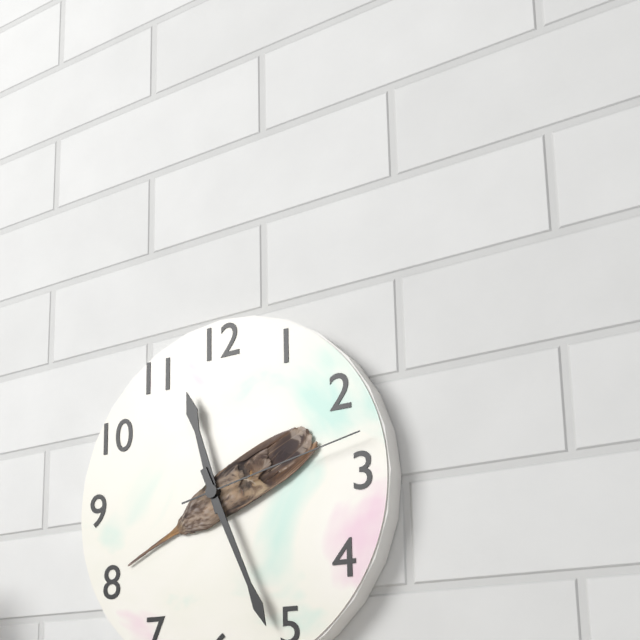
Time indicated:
{"hour": 11, "minute": 26, "second": 13}
